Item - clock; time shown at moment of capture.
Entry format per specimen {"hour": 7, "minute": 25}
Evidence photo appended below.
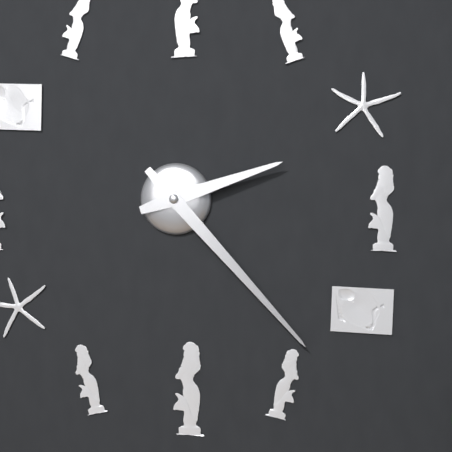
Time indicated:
{"hour": 2, "minute": 23}
